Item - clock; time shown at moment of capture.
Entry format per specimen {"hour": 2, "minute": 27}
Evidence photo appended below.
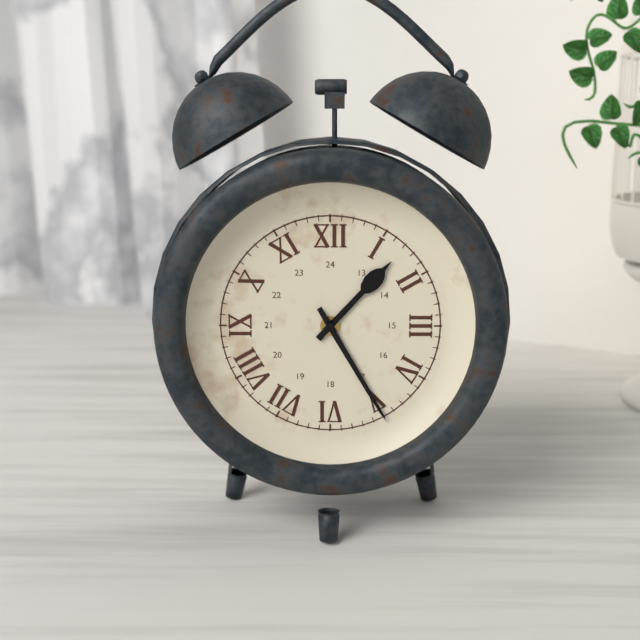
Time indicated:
{"hour": 1, "minute": 25}
